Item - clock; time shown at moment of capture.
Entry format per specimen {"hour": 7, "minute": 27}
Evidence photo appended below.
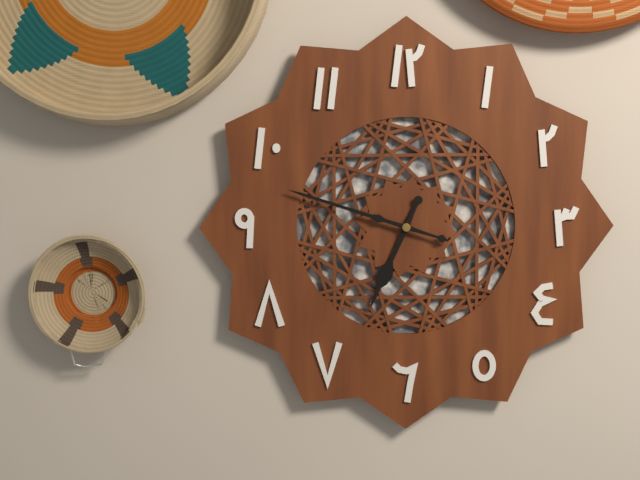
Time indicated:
{"hour": 6, "minute": 48}
